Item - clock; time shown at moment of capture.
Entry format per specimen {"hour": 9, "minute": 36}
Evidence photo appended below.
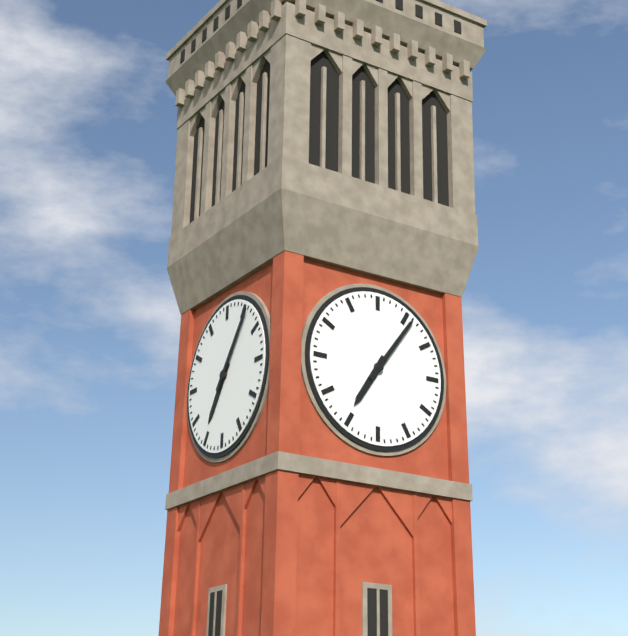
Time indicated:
{"hour": 7, "minute": 6}
